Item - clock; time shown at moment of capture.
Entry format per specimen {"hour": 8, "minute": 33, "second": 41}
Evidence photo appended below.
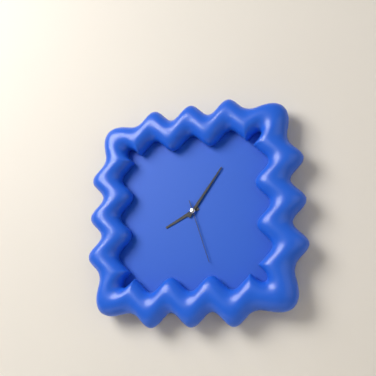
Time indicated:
{"hour": 8, "minute": 6, "second": 27}
